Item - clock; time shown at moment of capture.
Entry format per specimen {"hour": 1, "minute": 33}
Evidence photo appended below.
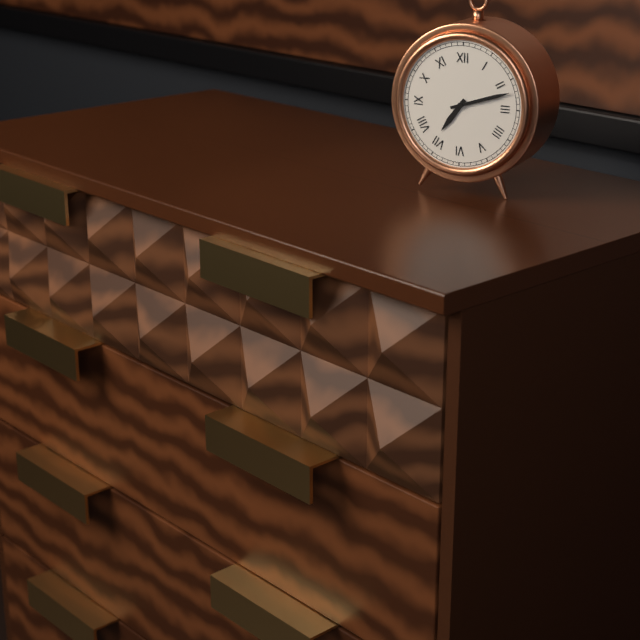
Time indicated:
{"hour": 7, "minute": 12}
